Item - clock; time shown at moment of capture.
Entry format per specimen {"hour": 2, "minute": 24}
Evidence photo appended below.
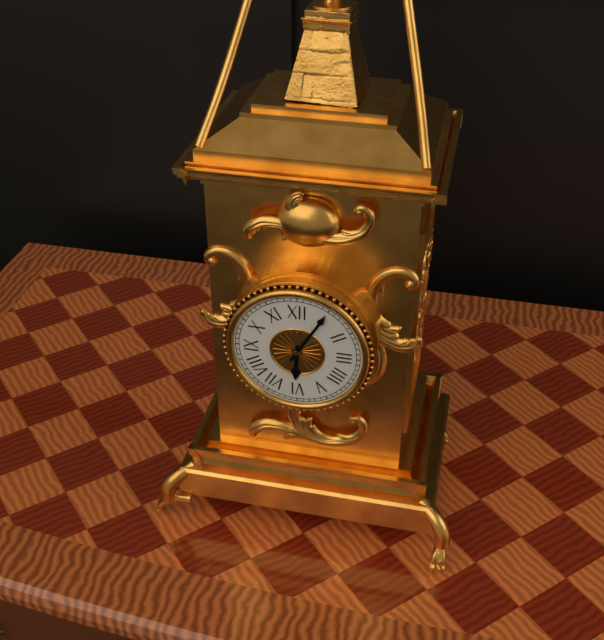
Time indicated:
{"hour": 6, "minute": 5}
